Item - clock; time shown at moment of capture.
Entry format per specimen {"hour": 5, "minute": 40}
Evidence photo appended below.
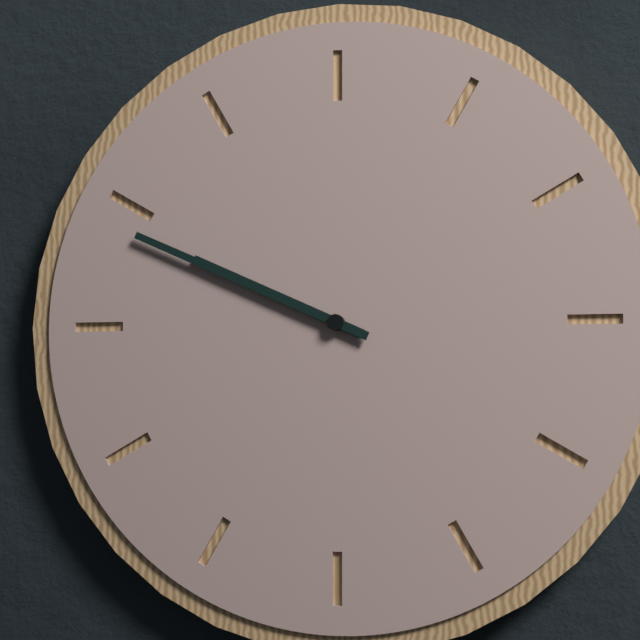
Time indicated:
{"hour": 9, "minute": 49}
